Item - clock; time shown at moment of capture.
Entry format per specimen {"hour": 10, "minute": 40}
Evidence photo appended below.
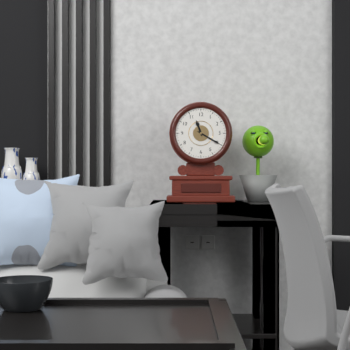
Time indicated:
{"hour": 11, "minute": 20}
